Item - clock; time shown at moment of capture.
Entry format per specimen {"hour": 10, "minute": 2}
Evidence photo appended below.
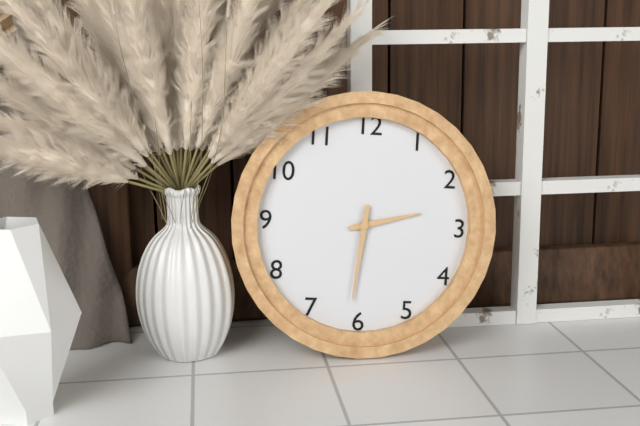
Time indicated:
{"hour": 2, "minute": 31}
